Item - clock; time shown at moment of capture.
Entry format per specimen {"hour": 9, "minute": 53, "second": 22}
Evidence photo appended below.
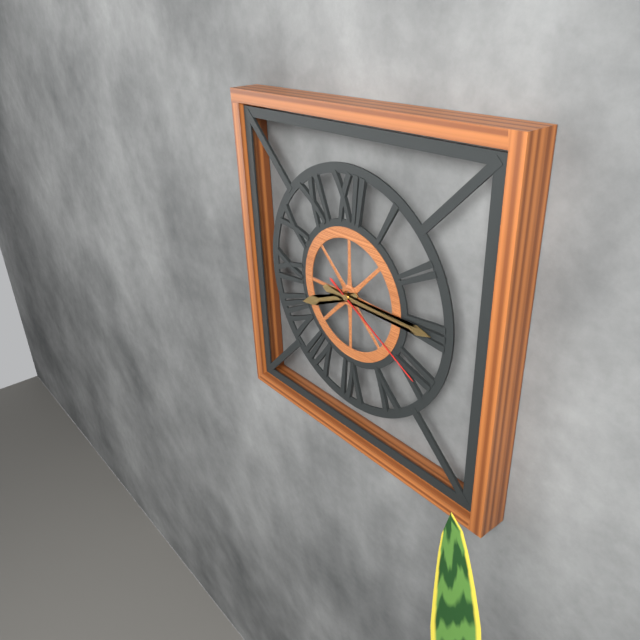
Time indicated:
{"hour": 8, "minute": 15, "second": 20}
